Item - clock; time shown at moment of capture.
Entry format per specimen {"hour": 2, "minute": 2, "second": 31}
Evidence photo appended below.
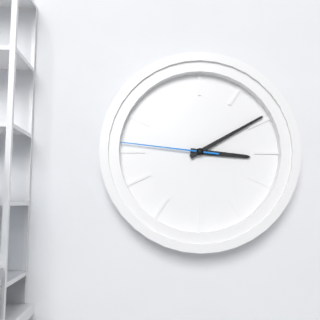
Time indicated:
{"hour": 3, "minute": 10, "second": 46}
